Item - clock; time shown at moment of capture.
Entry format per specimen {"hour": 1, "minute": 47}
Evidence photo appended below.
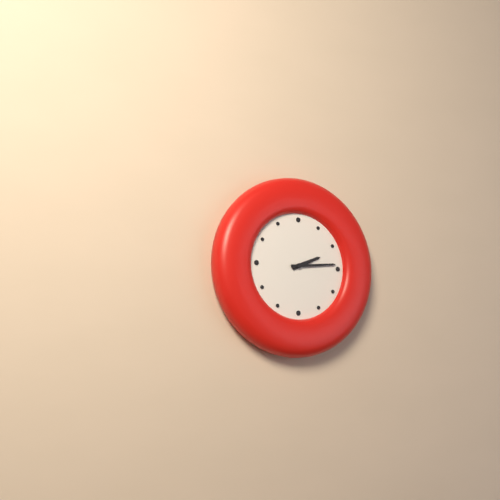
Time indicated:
{"hour": 2, "minute": 14}
